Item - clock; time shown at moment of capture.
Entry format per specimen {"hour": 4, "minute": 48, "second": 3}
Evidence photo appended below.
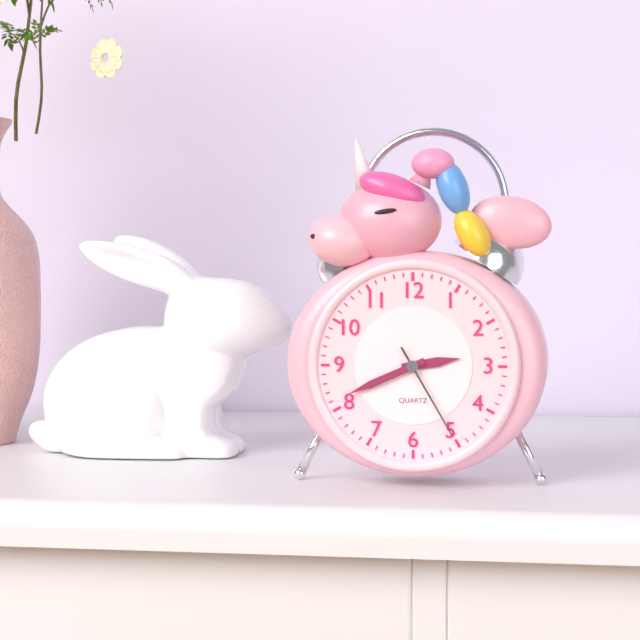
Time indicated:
{"hour": 2, "minute": 41, "second": 25}
